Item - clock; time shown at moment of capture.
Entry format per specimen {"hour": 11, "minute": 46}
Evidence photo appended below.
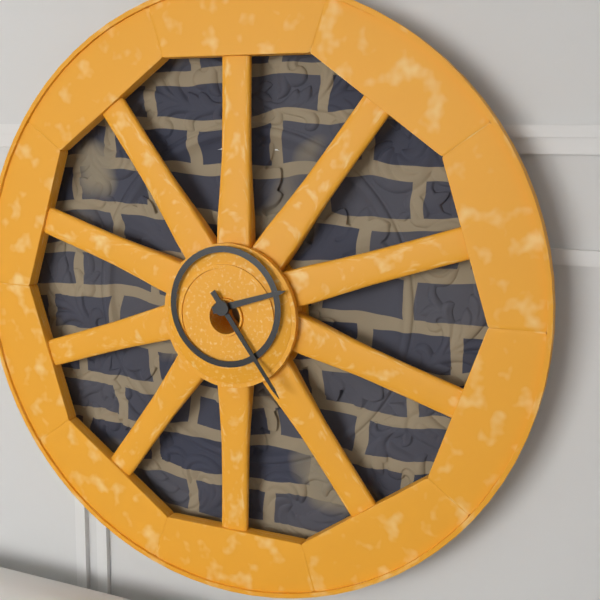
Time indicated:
{"hour": 2, "minute": 24}
